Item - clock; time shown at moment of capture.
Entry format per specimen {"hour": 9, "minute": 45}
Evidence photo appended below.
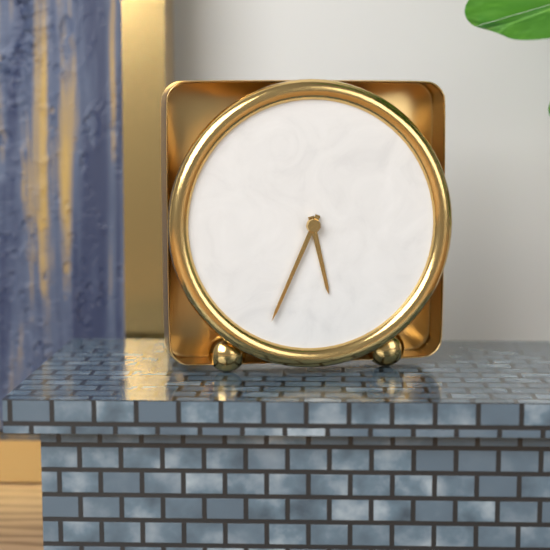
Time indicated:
{"hour": 5, "minute": 34}
